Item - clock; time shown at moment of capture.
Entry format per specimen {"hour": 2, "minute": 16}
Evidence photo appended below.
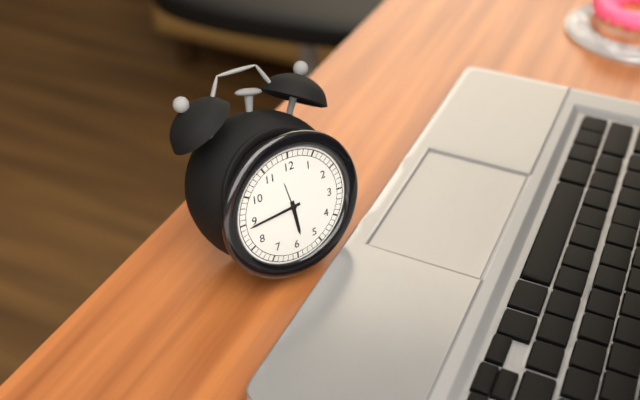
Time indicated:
{"hour": 5, "minute": 44}
